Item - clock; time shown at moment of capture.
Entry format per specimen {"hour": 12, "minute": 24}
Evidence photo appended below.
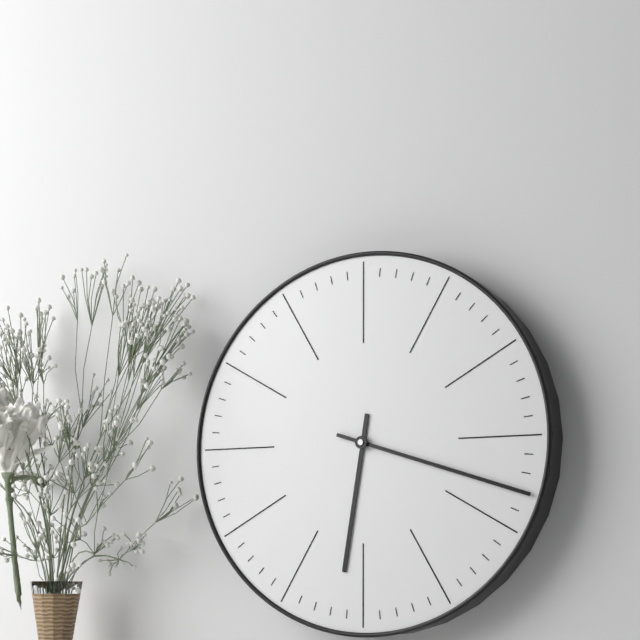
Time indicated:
{"hour": 6, "minute": 18}
